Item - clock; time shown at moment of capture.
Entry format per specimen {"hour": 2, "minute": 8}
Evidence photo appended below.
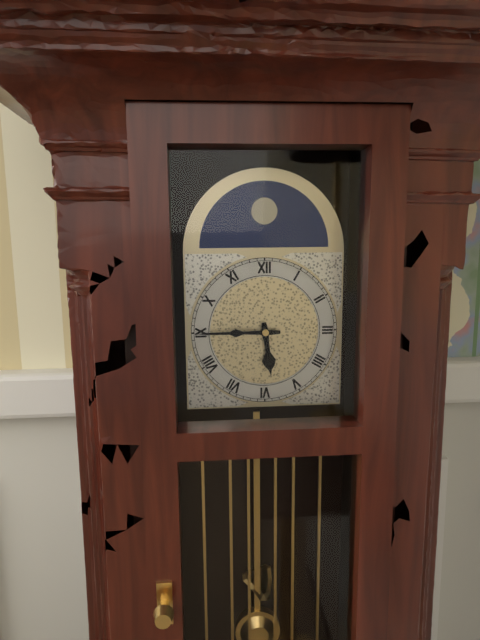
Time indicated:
{"hour": 5, "minute": 45}
